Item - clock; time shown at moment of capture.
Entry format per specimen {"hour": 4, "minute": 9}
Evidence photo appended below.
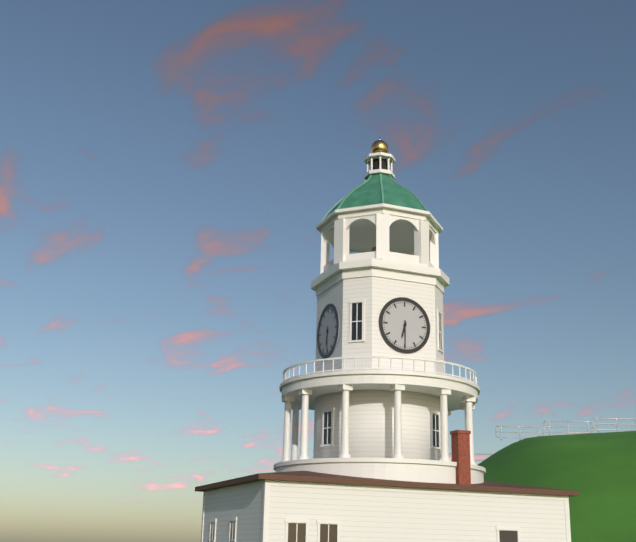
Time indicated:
{"hour": 6, "minute": 30}
